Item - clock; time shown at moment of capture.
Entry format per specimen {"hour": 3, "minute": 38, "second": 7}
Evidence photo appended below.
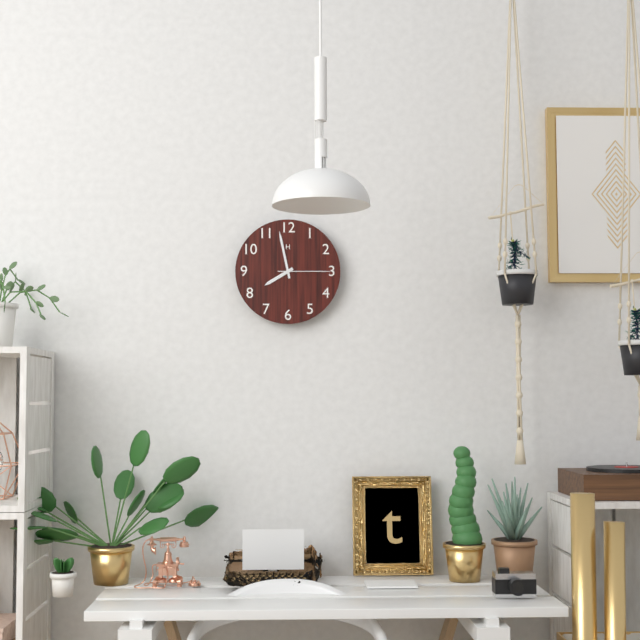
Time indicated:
{"hour": 7, "minute": 58, "second": 15}
